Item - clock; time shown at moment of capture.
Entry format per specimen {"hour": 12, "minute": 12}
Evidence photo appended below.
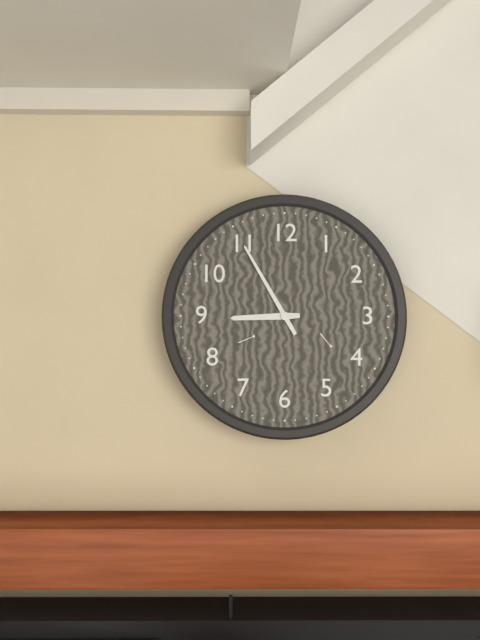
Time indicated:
{"hour": 8, "minute": 55}
